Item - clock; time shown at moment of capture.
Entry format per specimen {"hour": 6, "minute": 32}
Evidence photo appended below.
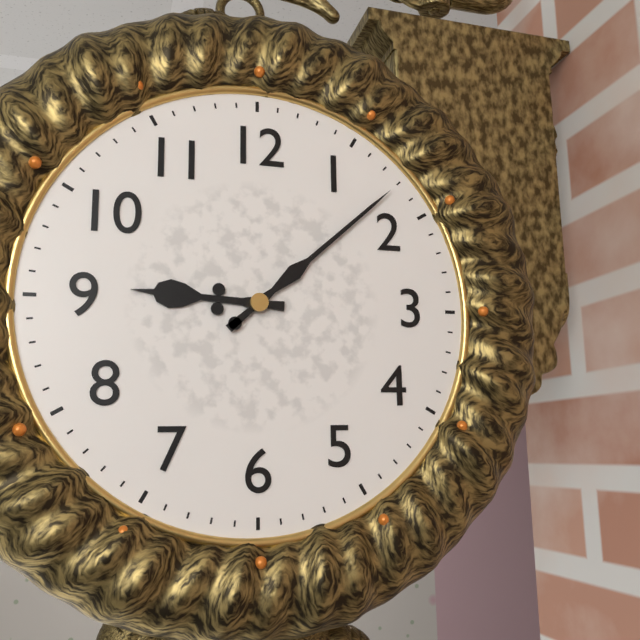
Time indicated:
{"hour": 9, "minute": 8}
